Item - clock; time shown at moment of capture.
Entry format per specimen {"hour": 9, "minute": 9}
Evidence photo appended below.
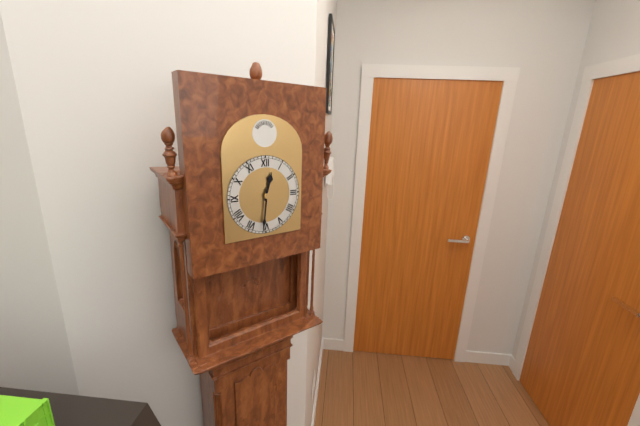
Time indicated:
{"hour": 12, "minute": 31}
